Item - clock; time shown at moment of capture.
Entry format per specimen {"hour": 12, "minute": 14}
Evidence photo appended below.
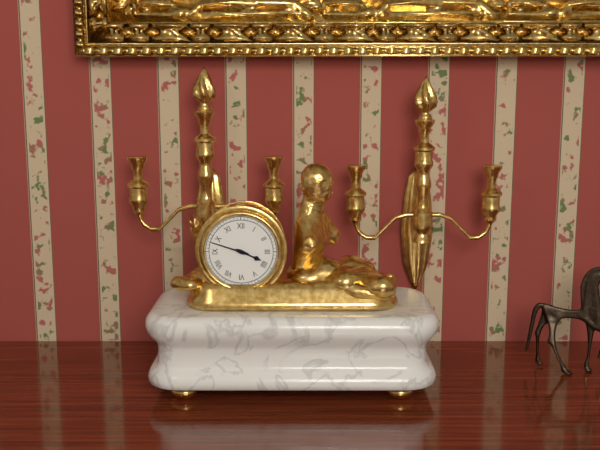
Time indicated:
{"hour": 3, "minute": 48}
